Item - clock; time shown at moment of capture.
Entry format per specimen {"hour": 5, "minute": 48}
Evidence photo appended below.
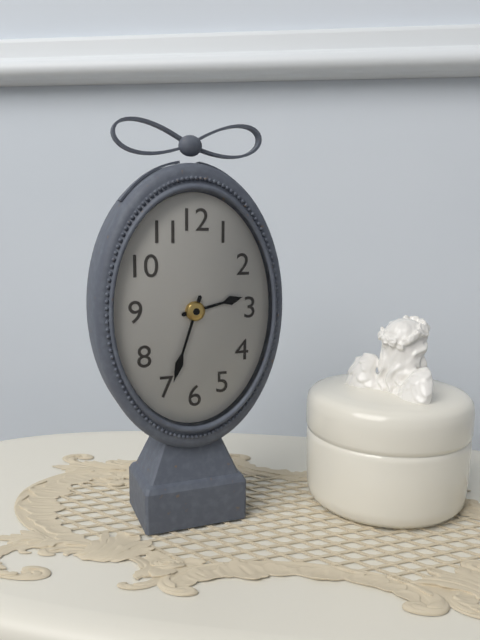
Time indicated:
{"hour": 2, "minute": 33}
